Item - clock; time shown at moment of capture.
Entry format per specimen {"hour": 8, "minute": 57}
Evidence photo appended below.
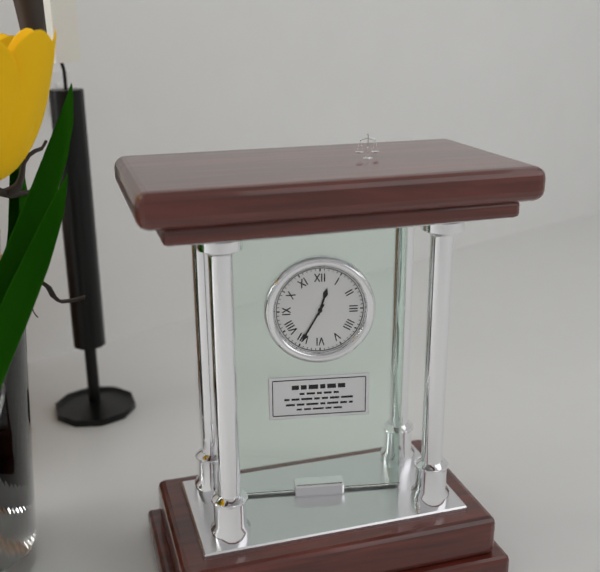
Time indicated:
{"hour": 12, "minute": 35}
